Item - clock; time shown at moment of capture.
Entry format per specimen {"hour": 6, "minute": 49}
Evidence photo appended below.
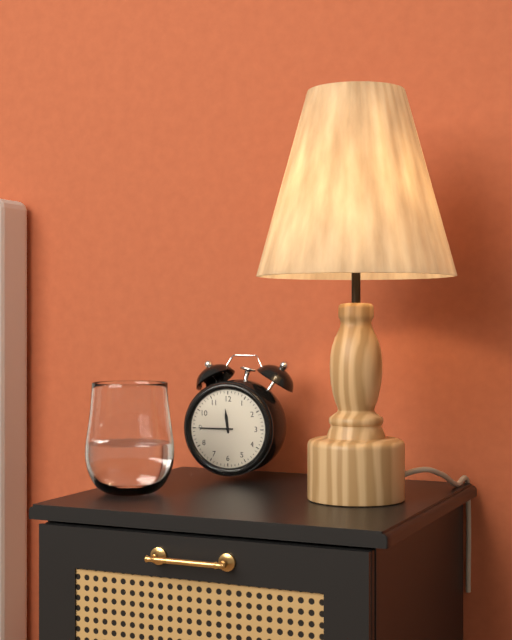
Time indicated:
{"hour": 11, "minute": 45}
